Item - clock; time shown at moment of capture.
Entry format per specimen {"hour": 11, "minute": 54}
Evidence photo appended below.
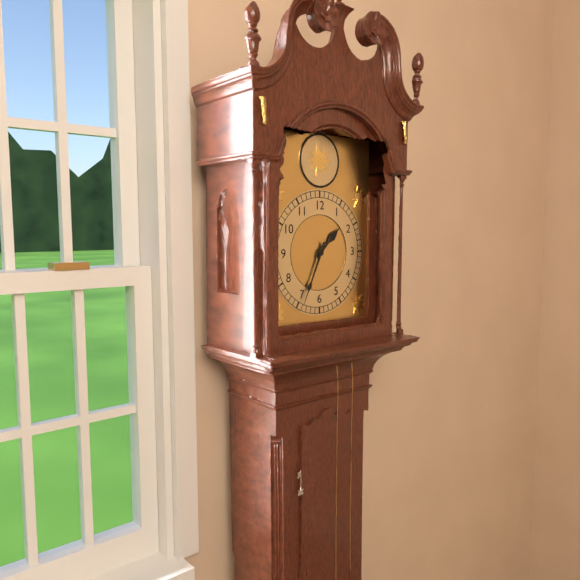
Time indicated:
{"hour": 1, "minute": 34}
